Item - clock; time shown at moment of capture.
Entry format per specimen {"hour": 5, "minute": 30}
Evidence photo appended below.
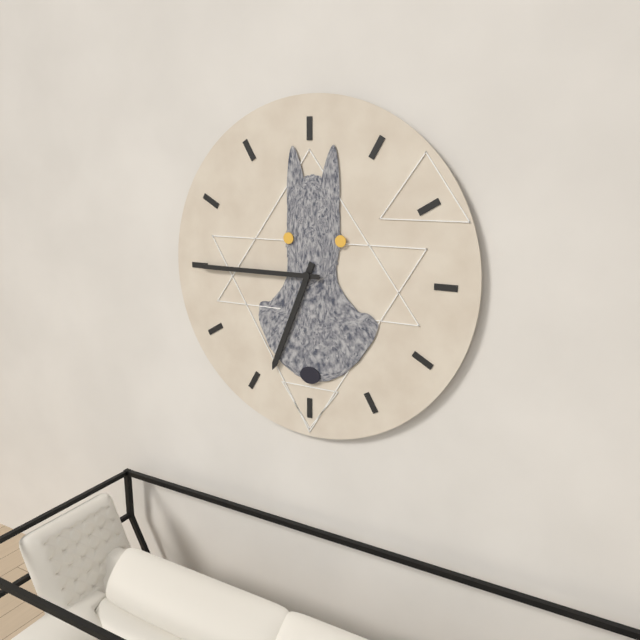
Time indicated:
{"hour": 6, "minute": 45}
